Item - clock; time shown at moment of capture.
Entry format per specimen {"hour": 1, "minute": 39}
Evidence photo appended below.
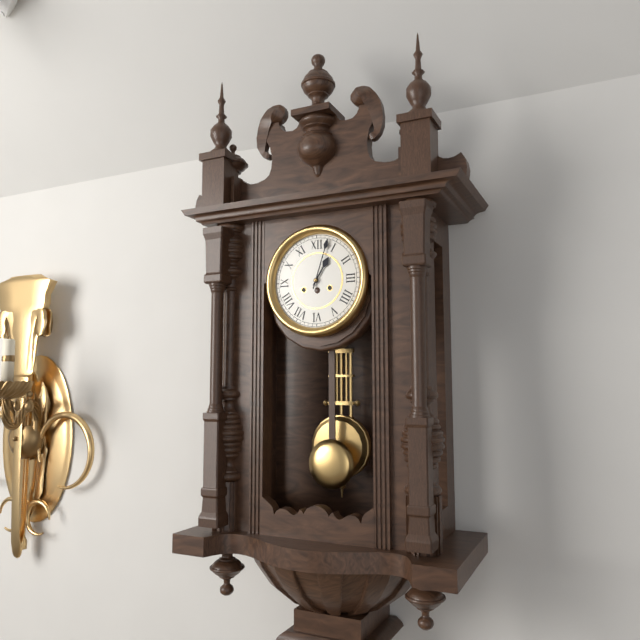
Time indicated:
{"hour": 1, "minute": 3}
